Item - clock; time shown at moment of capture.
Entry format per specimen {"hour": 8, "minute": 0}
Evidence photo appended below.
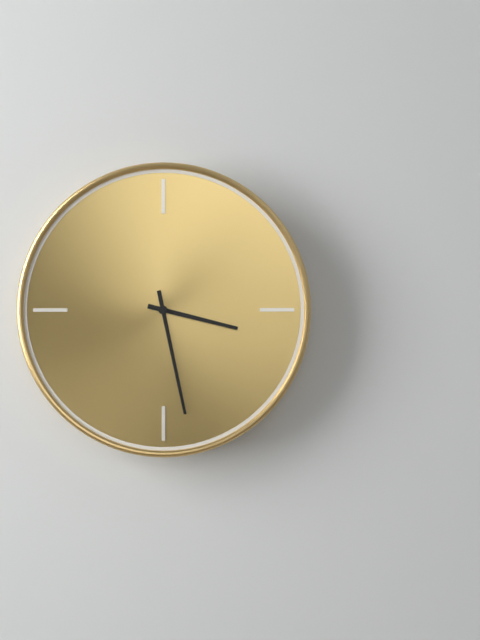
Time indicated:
{"hour": 3, "minute": 28}
